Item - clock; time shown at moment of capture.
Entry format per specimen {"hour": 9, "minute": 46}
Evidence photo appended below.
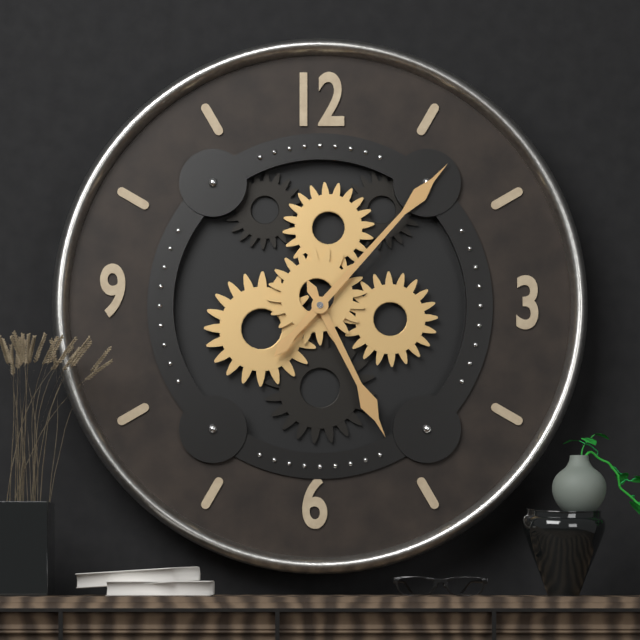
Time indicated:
{"hour": 5, "minute": 7}
